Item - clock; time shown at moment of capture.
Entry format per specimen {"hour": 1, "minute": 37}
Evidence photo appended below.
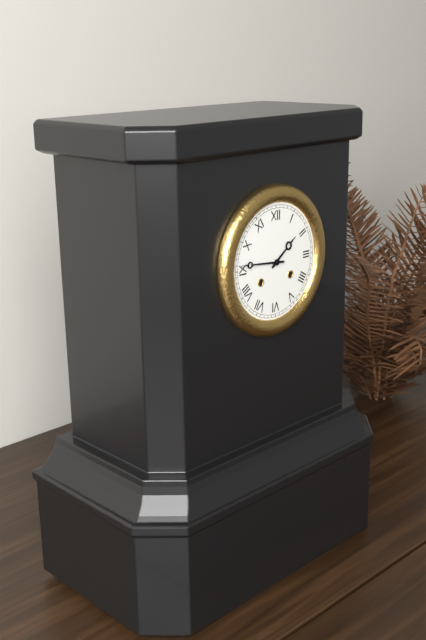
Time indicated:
{"hour": 1, "minute": 46}
